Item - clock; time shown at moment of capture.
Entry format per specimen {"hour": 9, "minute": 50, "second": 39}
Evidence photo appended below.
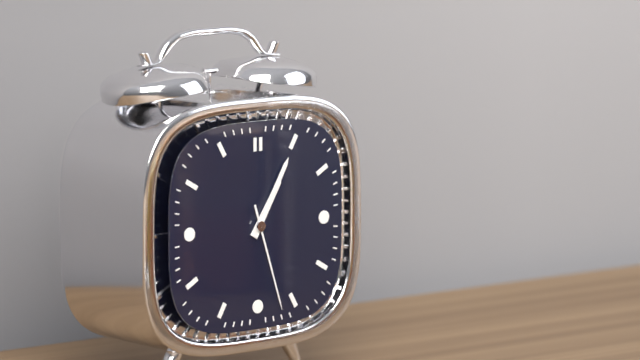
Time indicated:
{"hour": 1, "minute": 5, "second": 27}
